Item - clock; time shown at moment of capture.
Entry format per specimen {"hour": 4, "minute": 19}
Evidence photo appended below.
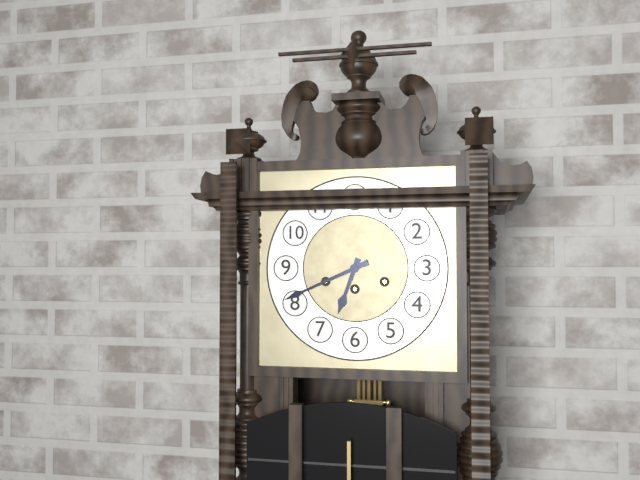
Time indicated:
{"hour": 6, "minute": 41}
